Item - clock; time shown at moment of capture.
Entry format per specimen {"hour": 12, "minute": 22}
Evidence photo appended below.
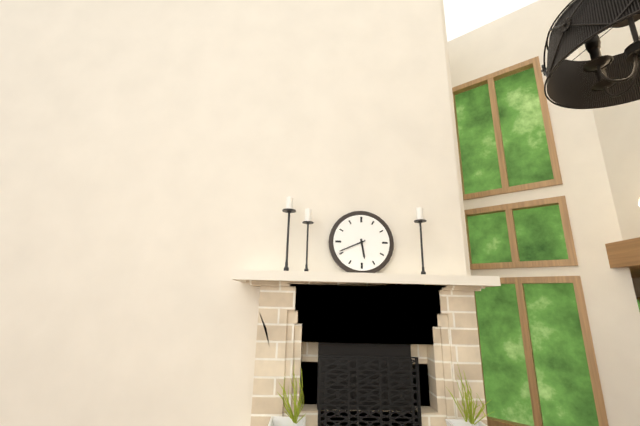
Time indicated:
{"hour": 5, "minute": 41}
